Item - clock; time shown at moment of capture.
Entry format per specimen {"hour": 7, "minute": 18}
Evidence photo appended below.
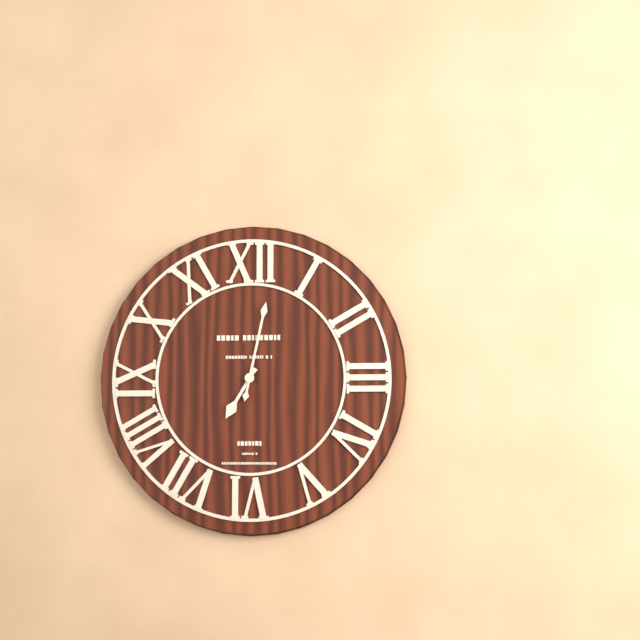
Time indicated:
{"hour": 7, "minute": 2}
